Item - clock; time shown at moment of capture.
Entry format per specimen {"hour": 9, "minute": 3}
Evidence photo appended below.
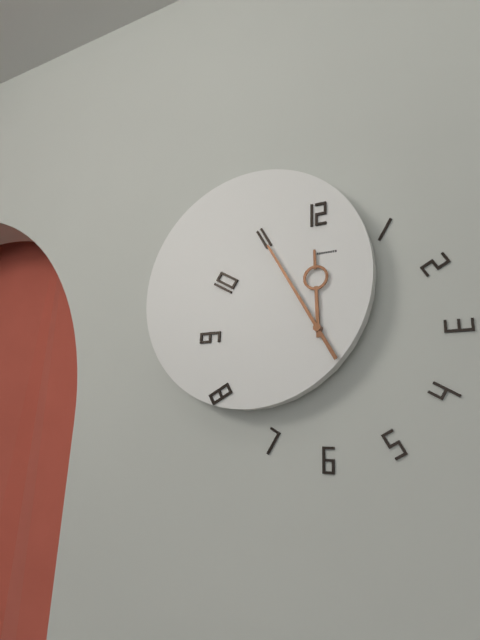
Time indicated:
{"hour": 11, "minute": 55}
